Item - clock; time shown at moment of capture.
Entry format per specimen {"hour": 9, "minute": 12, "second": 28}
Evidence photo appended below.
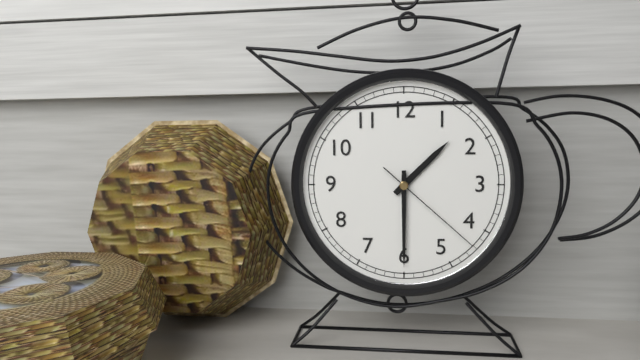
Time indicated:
{"hour": 1, "minute": 30, "second": 22}
